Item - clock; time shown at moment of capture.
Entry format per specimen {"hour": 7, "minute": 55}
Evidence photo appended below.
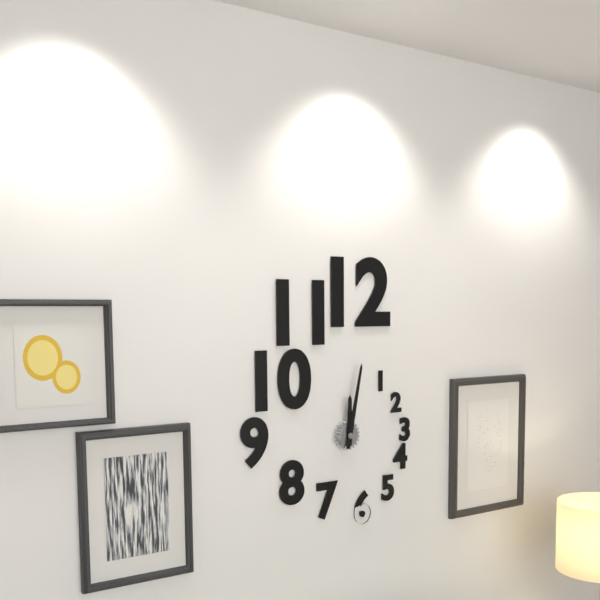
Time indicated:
{"hour": 12, "minute": 2}
